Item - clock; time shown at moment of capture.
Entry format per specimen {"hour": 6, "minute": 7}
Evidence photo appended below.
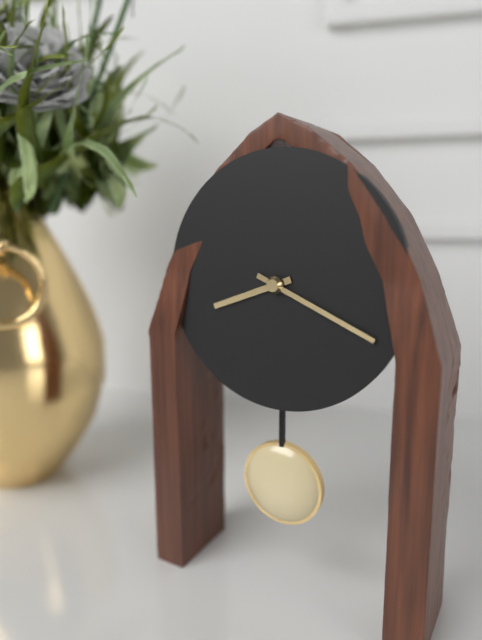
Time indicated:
{"hour": 8, "minute": 19}
